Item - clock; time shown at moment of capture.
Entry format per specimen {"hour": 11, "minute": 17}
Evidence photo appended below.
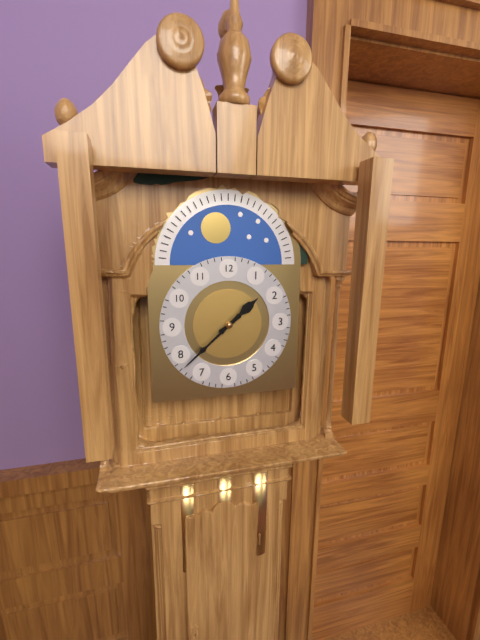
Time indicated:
{"hour": 1, "minute": 38}
